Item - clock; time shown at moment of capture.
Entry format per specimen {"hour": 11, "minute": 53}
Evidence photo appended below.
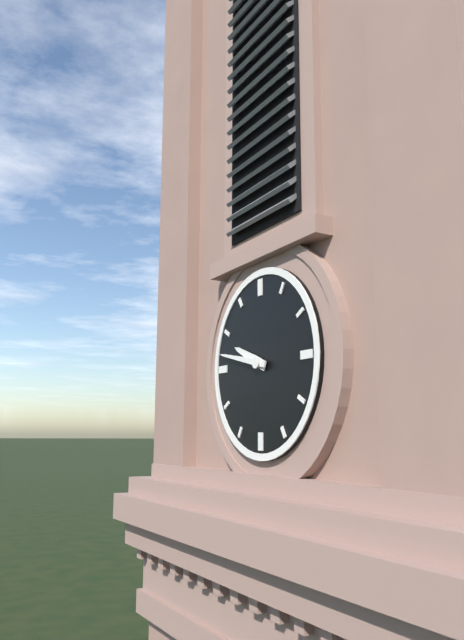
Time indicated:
{"hour": 9, "minute": 47}
